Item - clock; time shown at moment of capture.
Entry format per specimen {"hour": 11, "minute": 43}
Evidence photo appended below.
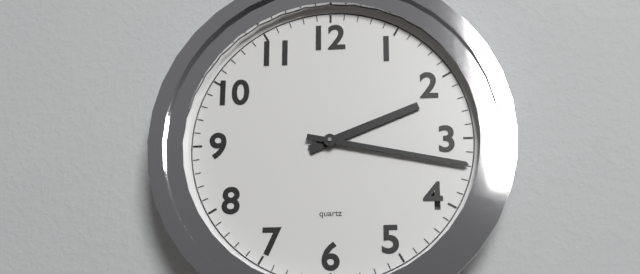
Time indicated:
{"hour": 2, "minute": 17}
